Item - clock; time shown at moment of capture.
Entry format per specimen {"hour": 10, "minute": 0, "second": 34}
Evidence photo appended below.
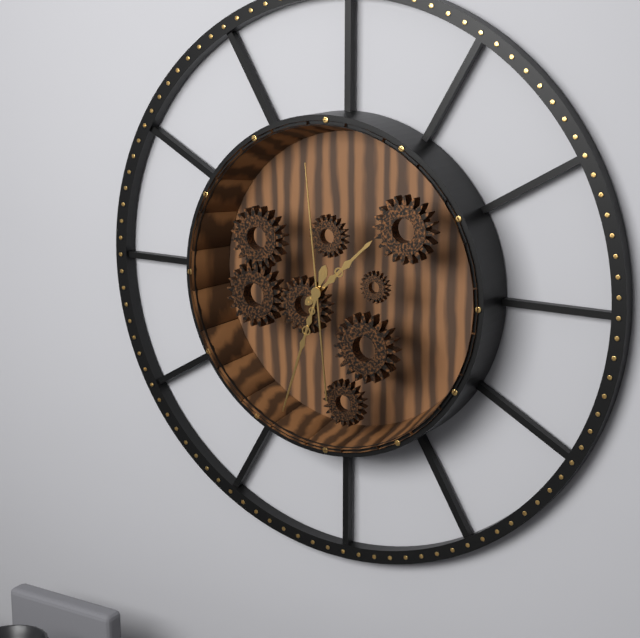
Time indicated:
{"hour": 1, "minute": 33, "second": 59}
